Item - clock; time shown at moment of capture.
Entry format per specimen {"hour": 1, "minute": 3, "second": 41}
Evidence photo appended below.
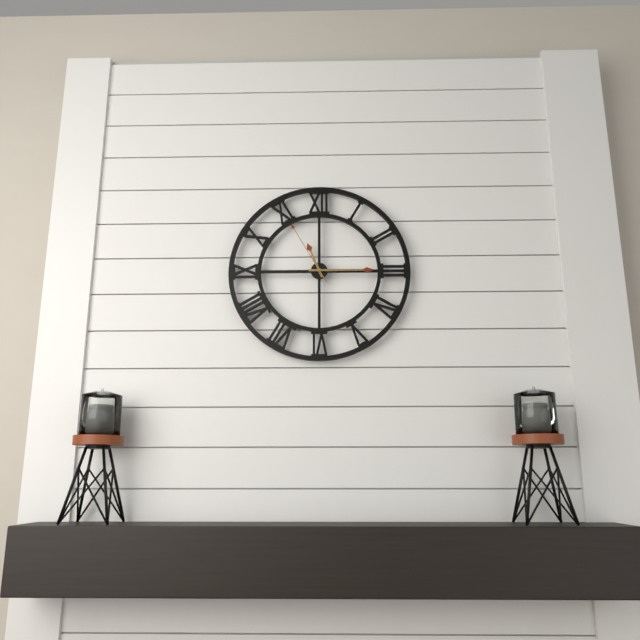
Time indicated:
{"hour": 11, "minute": 15, "second": 55}
